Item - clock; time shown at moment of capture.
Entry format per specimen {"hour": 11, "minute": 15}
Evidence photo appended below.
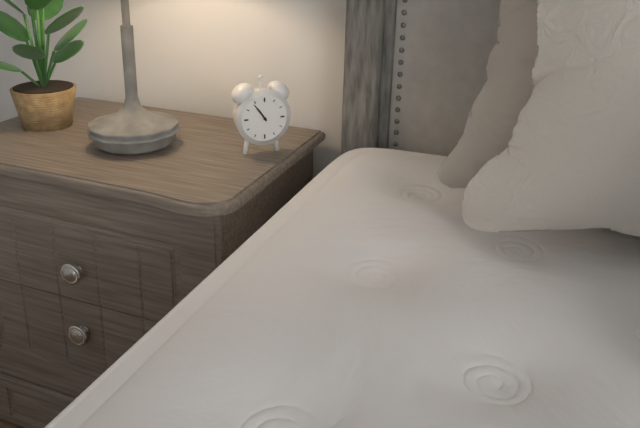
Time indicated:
{"hour": 10, "minute": 54}
